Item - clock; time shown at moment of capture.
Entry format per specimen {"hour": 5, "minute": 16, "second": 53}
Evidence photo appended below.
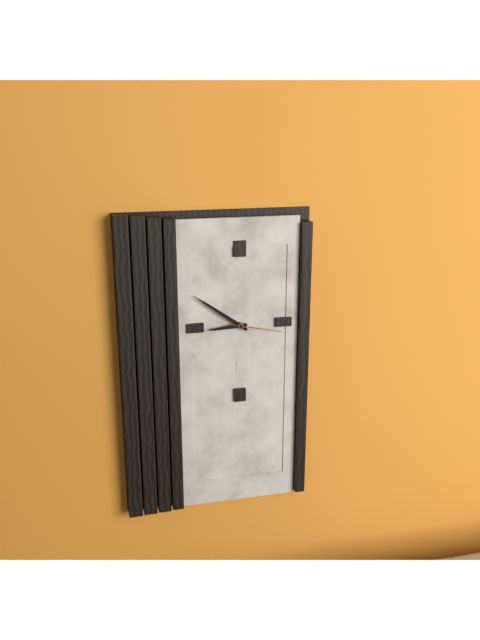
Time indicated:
{"hour": 8, "minute": 51, "second": 17}
